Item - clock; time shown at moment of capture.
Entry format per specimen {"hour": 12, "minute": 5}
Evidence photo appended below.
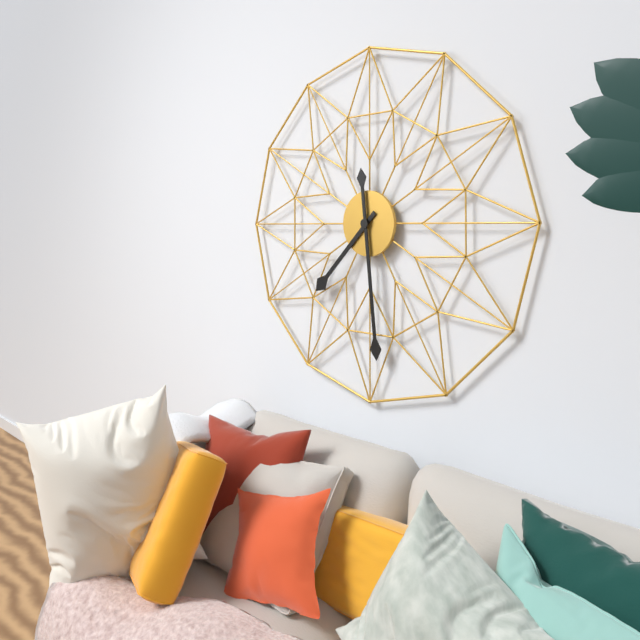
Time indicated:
{"hour": 7, "minute": 29}
